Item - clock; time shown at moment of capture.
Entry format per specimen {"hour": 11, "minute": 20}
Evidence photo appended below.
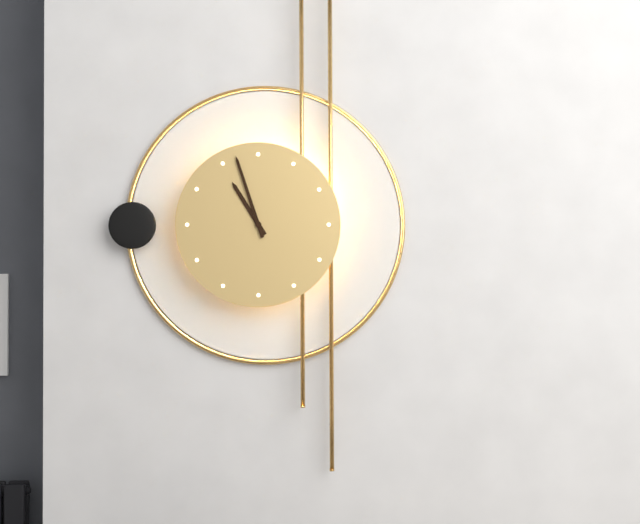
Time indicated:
{"hour": 10, "minute": 57}
